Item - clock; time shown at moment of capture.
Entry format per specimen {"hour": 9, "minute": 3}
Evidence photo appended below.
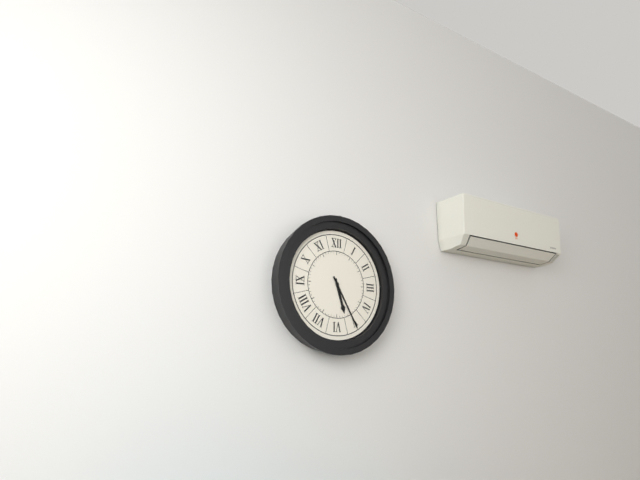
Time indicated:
{"hour": 5, "minute": 25}
